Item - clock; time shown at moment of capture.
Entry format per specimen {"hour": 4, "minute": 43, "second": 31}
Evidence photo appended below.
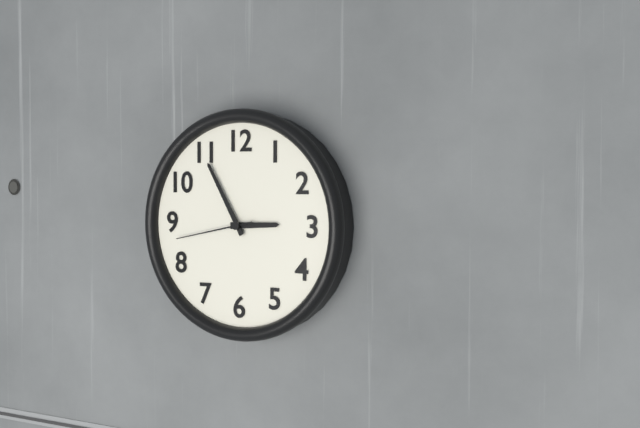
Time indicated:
{"hour": 2, "minute": 55, "second": 43}
